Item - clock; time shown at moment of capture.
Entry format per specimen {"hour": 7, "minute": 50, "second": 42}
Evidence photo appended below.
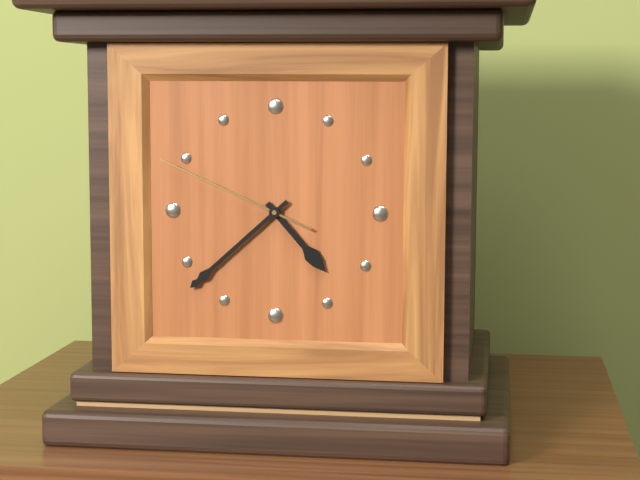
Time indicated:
{"hour": 4, "minute": 38, "second": 49}
